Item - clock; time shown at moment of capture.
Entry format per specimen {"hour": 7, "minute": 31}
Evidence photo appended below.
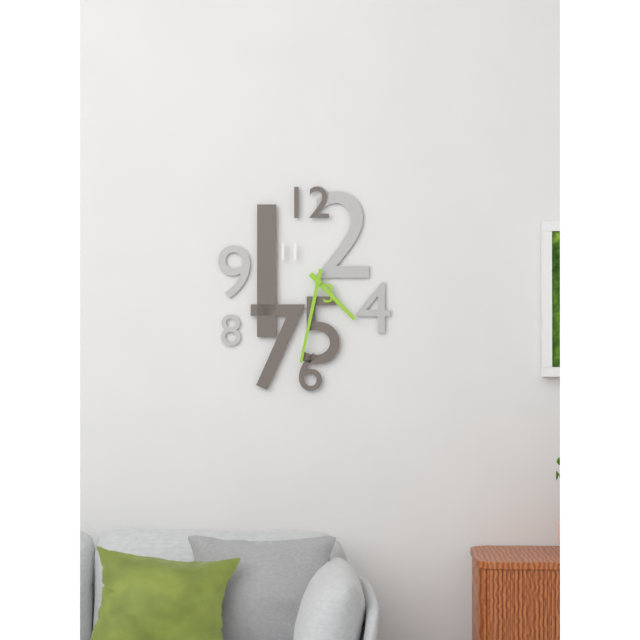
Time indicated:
{"hour": 4, "minute": 32}
